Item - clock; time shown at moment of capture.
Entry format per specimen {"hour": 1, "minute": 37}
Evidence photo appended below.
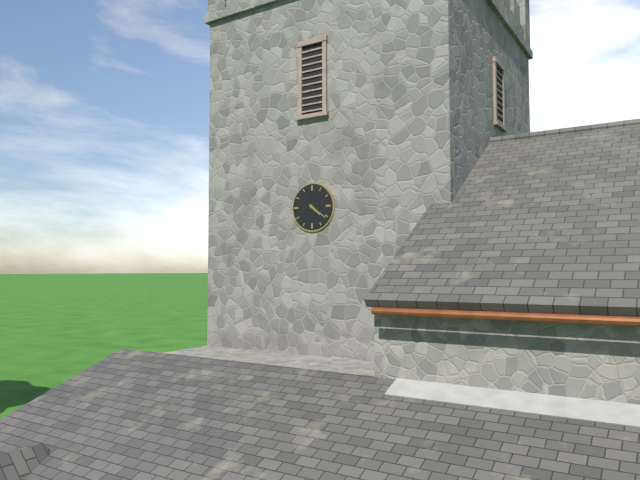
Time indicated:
{"hour": 4, "minute": 21}
